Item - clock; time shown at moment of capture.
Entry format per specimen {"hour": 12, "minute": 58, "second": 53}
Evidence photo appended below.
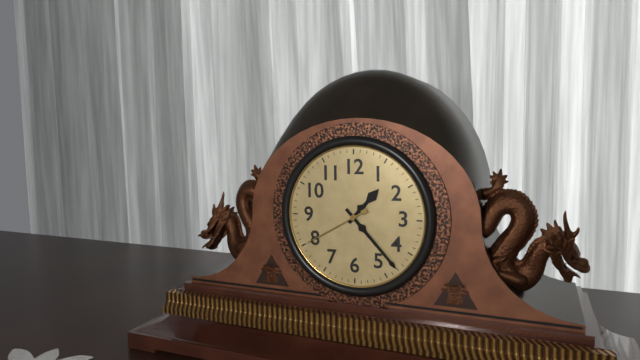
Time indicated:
{"hour": 1, "minute": 23, "second": 40}
